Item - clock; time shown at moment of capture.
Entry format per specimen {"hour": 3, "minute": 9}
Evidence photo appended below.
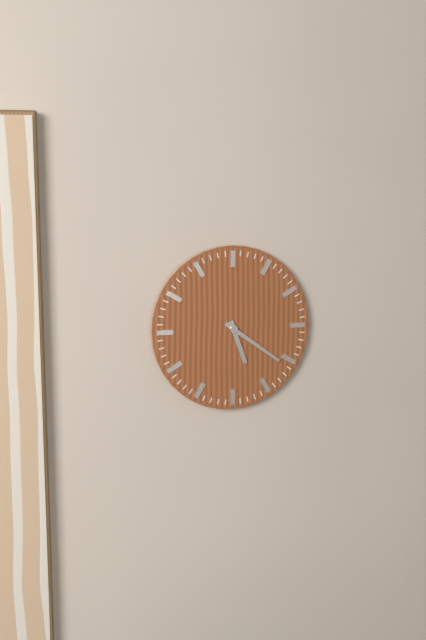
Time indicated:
{"hour": 5, "minute": 21}
